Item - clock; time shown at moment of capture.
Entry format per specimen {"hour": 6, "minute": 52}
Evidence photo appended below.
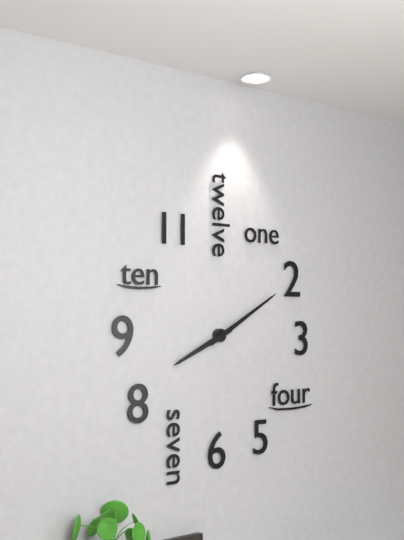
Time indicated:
{"hour": 8, "minute": 10}
